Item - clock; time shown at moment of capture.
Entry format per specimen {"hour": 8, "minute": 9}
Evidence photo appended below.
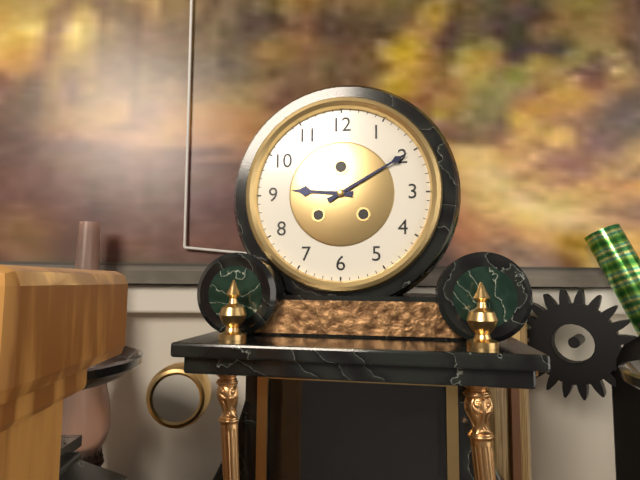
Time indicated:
{"hour": 9, "minute": 10}
